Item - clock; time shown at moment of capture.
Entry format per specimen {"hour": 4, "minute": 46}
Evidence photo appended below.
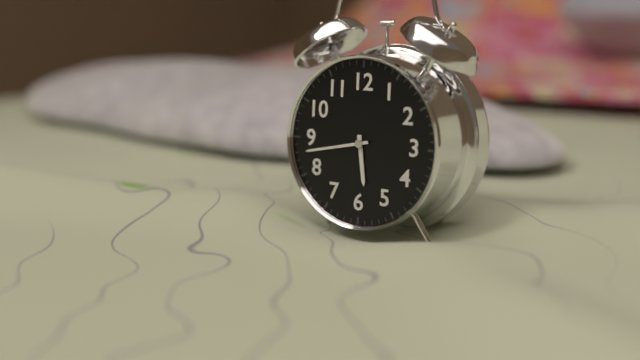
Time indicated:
{"hour": 5, "minute": 43}
